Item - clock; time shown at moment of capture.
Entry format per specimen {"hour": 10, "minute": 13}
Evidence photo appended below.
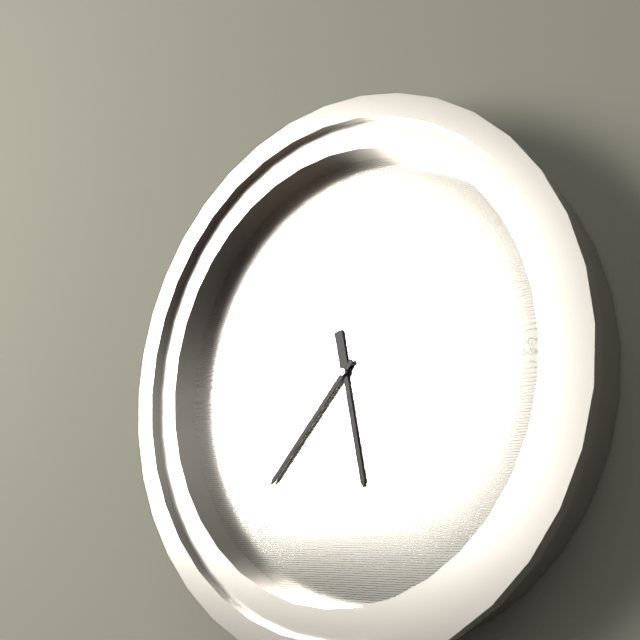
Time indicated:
{"hour": 5, "minute": 37}
